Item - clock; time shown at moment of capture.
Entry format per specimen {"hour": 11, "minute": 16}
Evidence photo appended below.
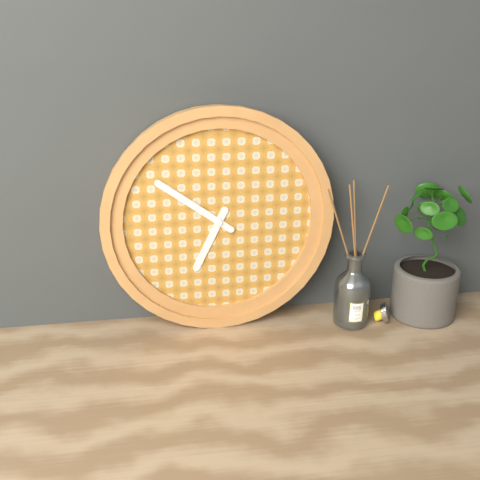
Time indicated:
{"hour": 6, "minute": 51}
